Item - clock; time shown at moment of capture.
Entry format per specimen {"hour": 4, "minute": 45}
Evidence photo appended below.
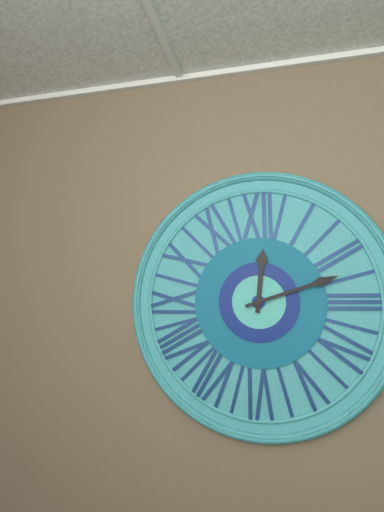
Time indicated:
{"hour": 12, "minute": 12}
